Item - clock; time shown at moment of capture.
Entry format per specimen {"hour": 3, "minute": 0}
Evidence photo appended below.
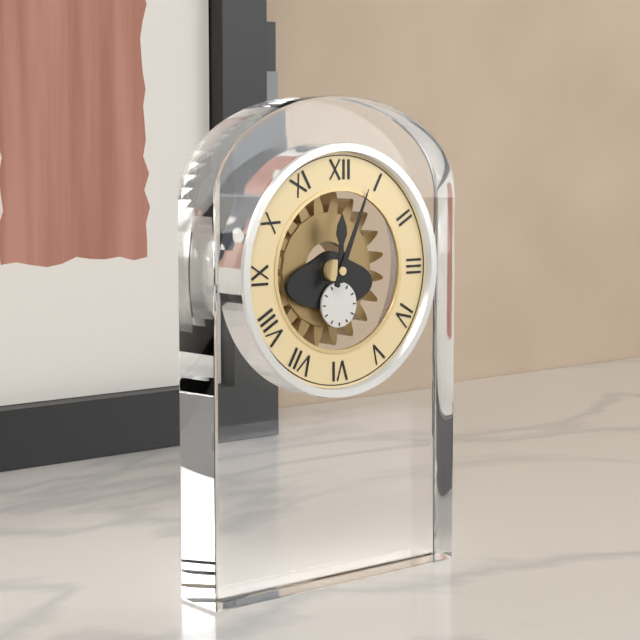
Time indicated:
{"hour": 12, "minute": 4}
